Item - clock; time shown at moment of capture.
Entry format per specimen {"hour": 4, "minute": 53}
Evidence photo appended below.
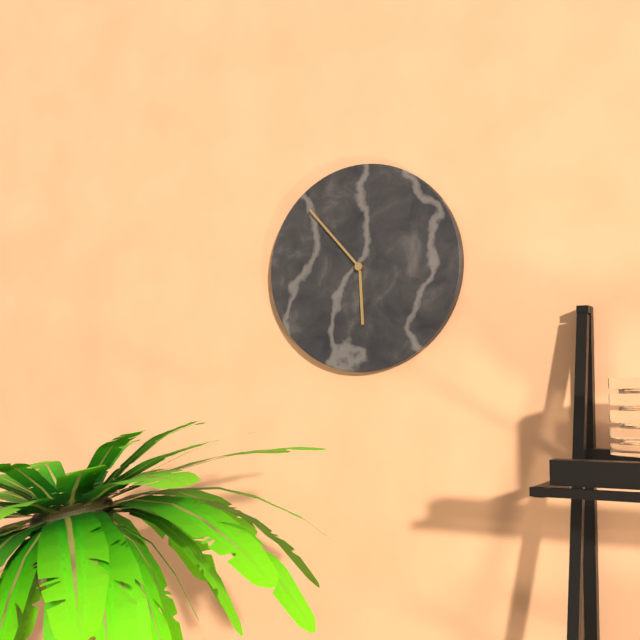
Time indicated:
{"hour": 5, "minute": 53}
